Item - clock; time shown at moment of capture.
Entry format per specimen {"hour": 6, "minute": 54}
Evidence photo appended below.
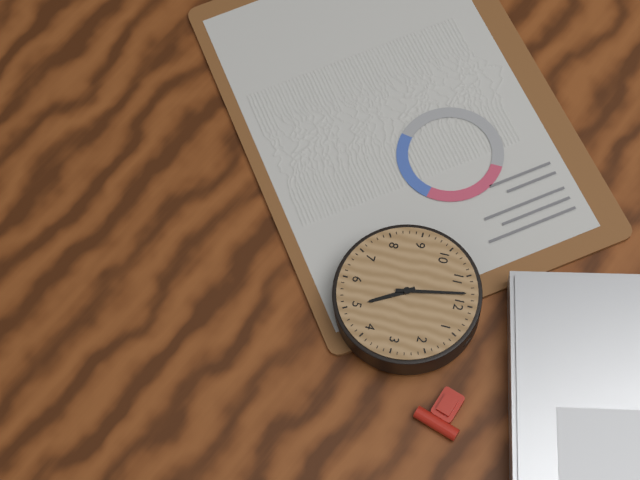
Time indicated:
{"hour": 4, "minute": 58}
